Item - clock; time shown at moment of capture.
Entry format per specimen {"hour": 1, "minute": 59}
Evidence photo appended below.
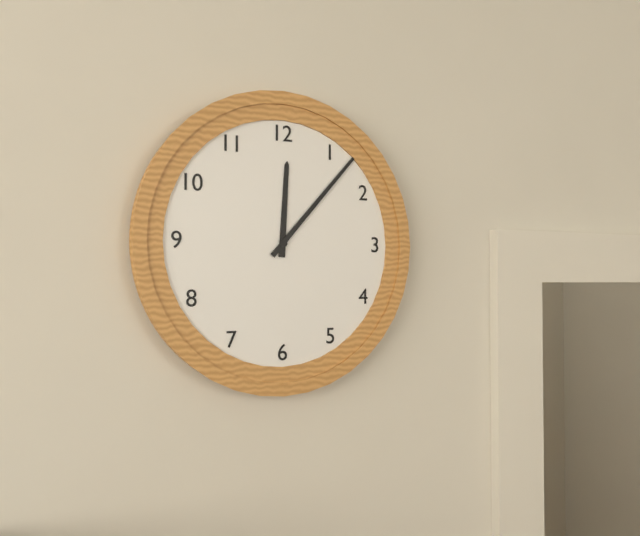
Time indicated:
{"hour": 12, "minute": 7}
